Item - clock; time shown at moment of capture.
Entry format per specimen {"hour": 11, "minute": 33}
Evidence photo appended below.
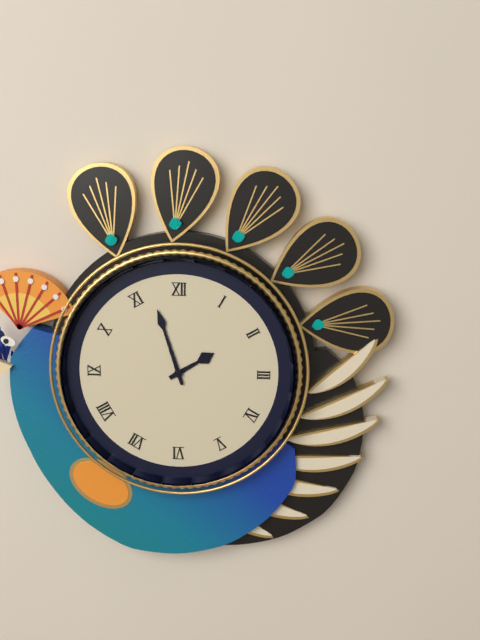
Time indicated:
{"hour": 1, "minute": 57}
